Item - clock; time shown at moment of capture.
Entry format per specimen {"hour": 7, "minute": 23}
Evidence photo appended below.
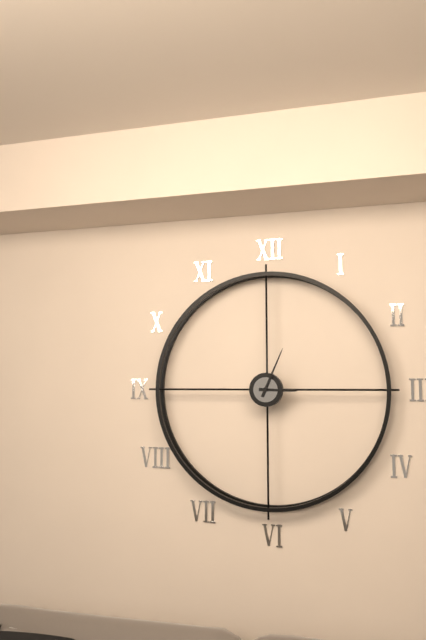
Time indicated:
{"hour": 3, "minute": 4}
